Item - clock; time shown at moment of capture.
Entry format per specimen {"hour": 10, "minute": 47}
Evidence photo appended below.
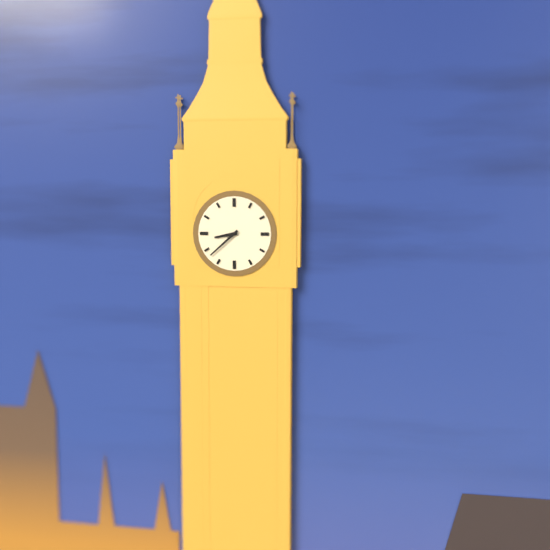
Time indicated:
{"hour": 8, "minute": 38}
